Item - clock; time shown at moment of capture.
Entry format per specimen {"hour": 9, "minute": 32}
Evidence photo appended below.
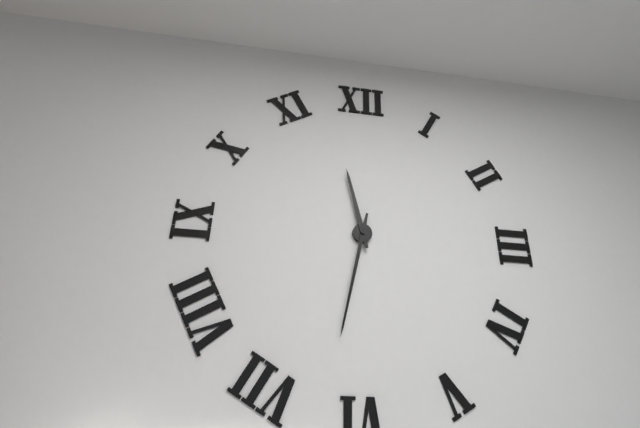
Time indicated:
{"hour": 11, "minute": 32}
